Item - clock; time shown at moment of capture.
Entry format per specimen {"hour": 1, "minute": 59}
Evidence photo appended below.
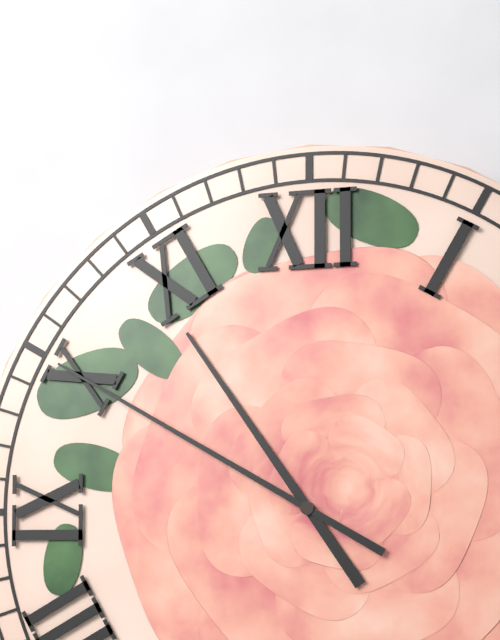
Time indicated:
{"hour": 10, "minute": 50}
